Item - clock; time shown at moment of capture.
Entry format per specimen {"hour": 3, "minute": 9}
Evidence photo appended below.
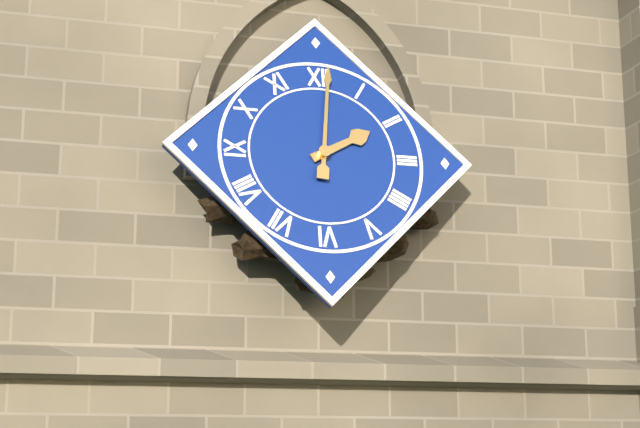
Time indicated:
{"hour": 2, "minute": 1}
